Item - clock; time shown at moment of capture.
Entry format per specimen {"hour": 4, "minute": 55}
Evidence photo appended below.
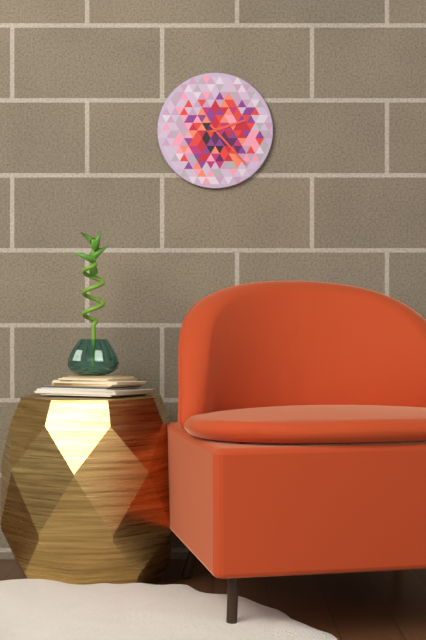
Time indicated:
{"hour": 2, "minute": 23}
